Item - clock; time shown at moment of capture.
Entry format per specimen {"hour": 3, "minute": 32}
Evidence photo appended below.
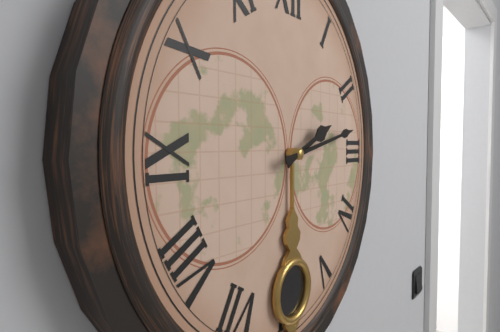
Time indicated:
{"hour": 2, "minute": 13}
